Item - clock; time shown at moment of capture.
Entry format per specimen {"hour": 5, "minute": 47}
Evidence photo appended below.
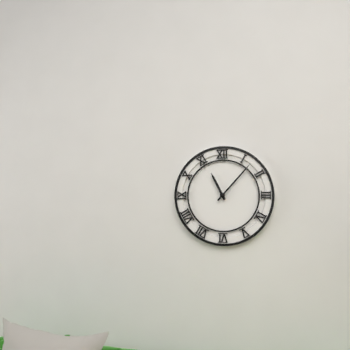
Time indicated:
{"hour": 11, "minute": 7}
